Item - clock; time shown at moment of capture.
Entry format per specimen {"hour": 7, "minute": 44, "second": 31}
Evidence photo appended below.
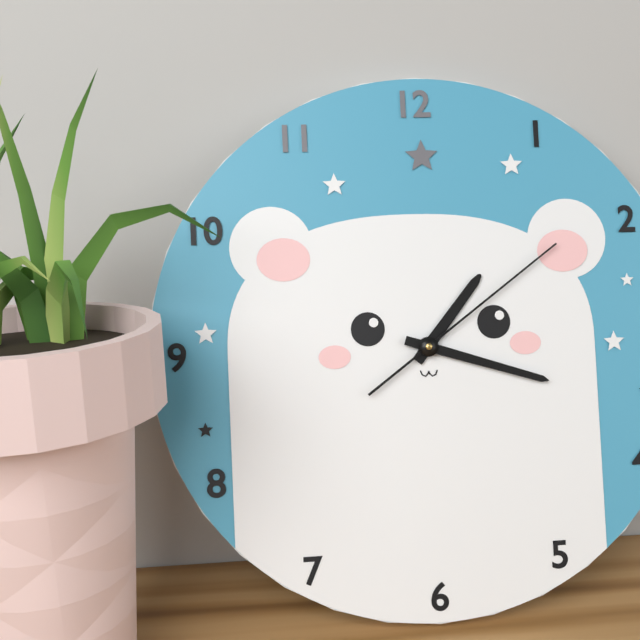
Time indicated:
{"hour": 1, "minute": 18, "second": 9}
